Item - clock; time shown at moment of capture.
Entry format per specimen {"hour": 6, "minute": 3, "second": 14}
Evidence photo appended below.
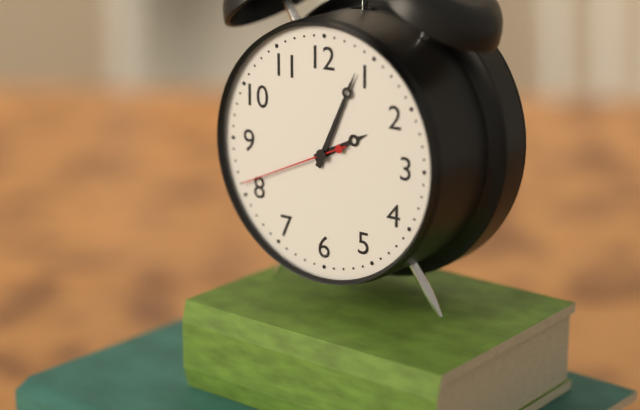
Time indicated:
{"hour": 2, "minute": 4, "second": 41}
